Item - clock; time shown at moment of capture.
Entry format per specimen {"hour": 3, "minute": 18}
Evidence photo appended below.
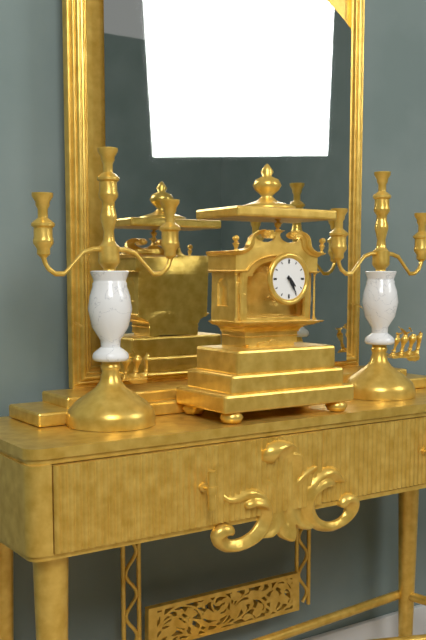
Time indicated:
{"hour": 4, "minute": 25}
